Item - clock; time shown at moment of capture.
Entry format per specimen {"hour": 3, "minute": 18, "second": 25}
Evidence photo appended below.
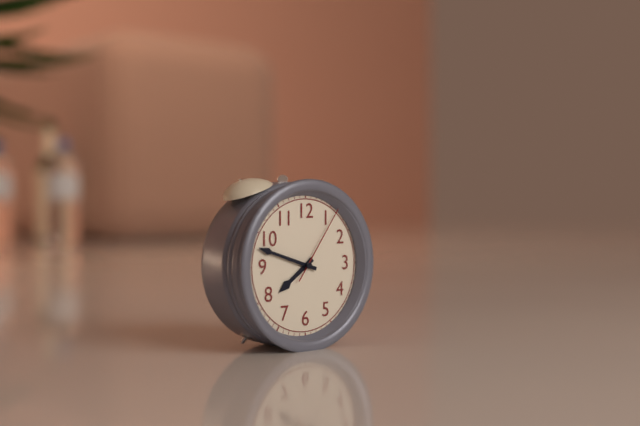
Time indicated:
{"hour": 7, "minute": 48, "second": 6}
